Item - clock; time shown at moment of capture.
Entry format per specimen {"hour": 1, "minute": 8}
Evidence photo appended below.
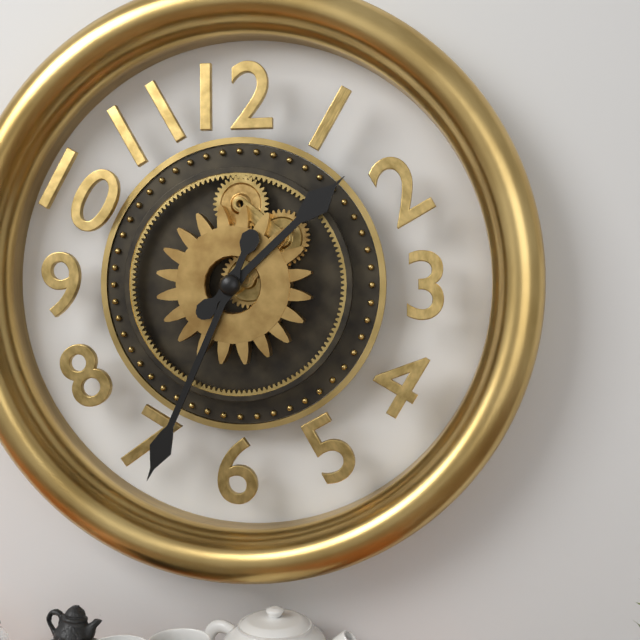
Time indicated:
{"hour": 1, "minute": 34}
